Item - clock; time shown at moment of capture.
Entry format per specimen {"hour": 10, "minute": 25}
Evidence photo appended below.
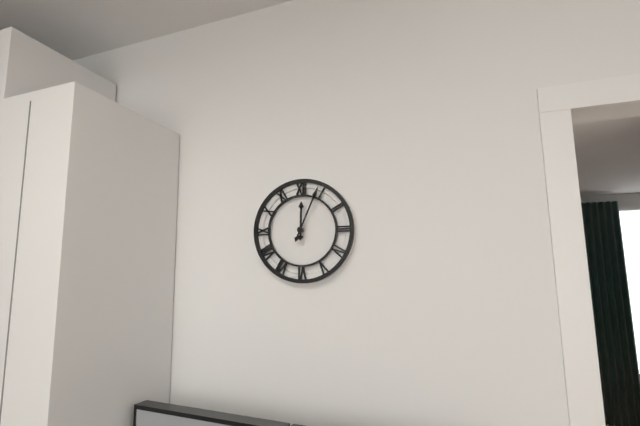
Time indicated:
{"hour": 12, "minute": 4}
